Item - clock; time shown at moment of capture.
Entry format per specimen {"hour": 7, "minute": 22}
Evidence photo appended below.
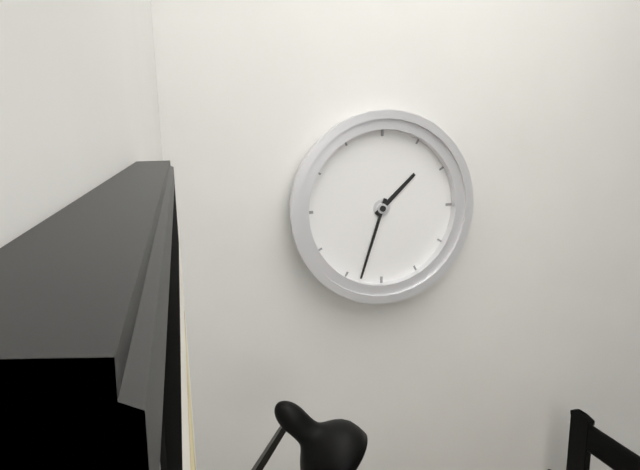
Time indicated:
{"hour": 1, "minute": 33}
